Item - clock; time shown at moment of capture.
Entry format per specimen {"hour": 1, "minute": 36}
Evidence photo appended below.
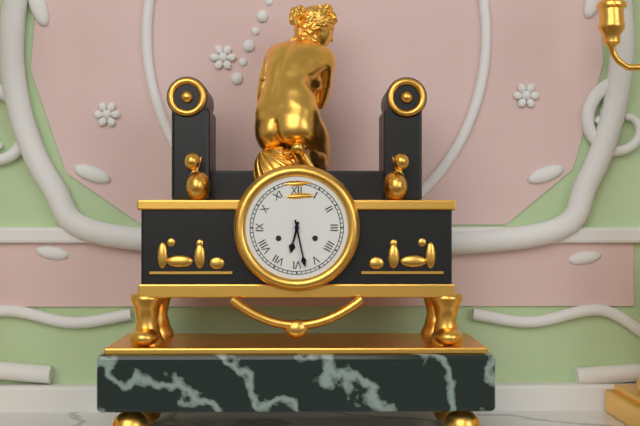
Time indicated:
{"hour": 6, "minute": 28}
